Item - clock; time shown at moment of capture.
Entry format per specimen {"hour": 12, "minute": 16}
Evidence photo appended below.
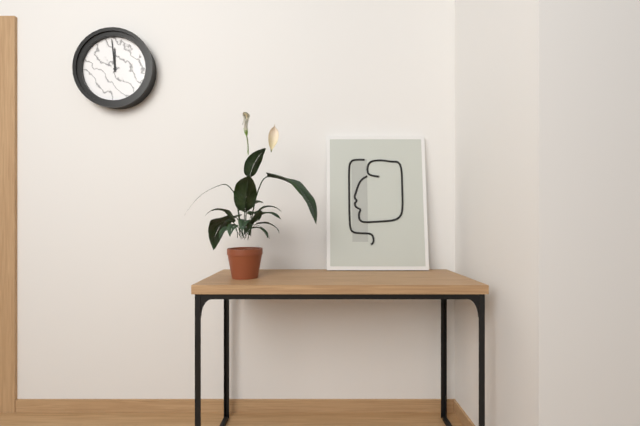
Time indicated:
{"hour": 11, "minute": 59}
